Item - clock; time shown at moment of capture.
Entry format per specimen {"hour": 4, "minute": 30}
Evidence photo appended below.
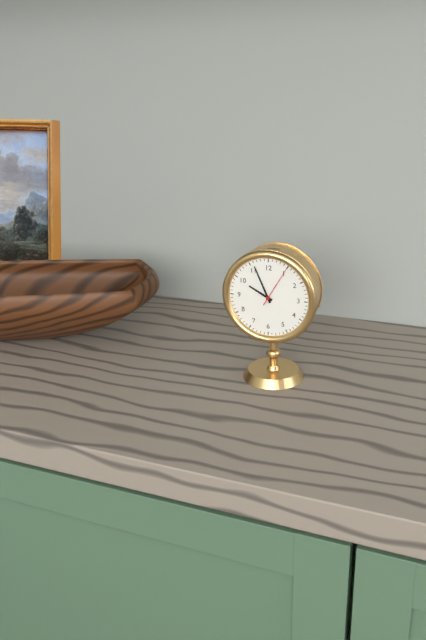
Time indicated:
{"hour": 9, "minute": 56}
